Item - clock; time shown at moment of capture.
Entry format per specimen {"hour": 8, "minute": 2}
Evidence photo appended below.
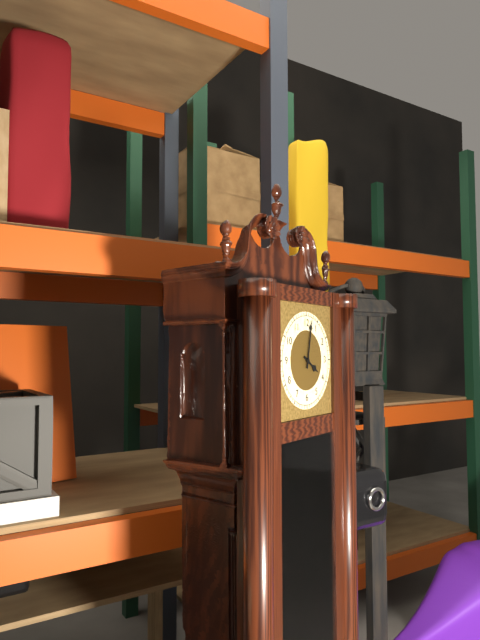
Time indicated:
{"hour": 4, "minute": 2}
